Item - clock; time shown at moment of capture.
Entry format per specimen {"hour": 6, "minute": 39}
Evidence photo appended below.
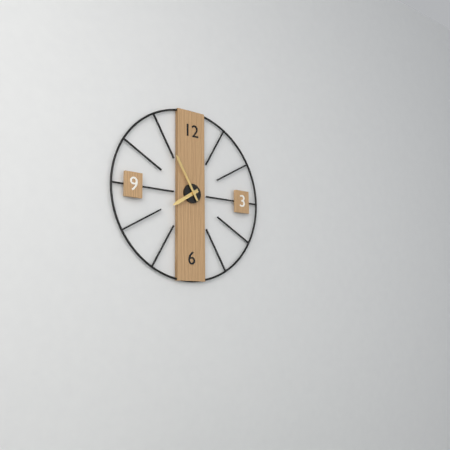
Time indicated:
{"hour": 7, "minute": 55}
